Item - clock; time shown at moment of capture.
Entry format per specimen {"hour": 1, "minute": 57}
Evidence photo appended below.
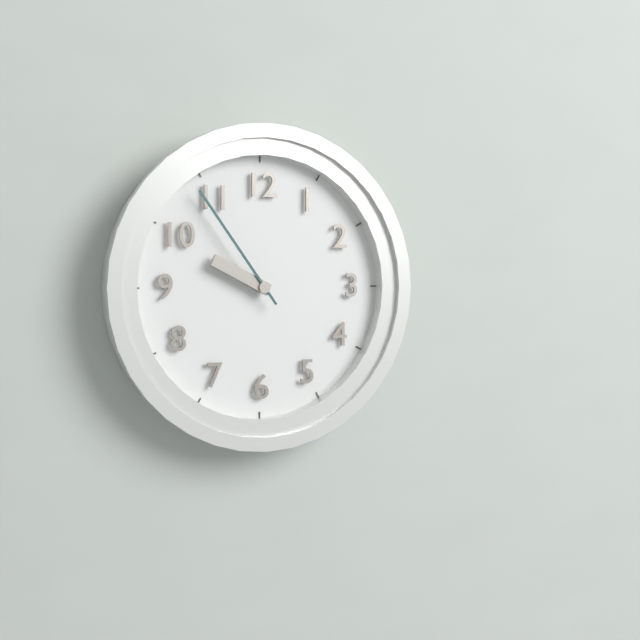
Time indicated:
{"hour": 9, "minute": 54}
